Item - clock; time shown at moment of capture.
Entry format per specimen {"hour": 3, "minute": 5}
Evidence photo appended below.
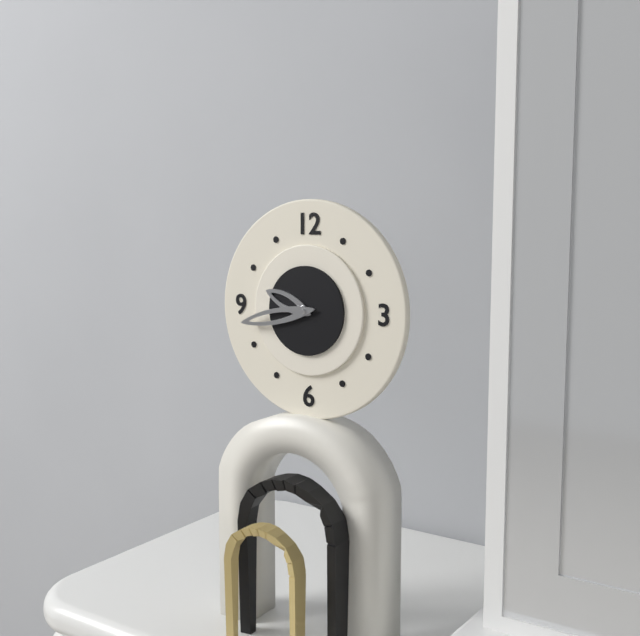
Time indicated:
{"hour": 9, "minute": 43}
